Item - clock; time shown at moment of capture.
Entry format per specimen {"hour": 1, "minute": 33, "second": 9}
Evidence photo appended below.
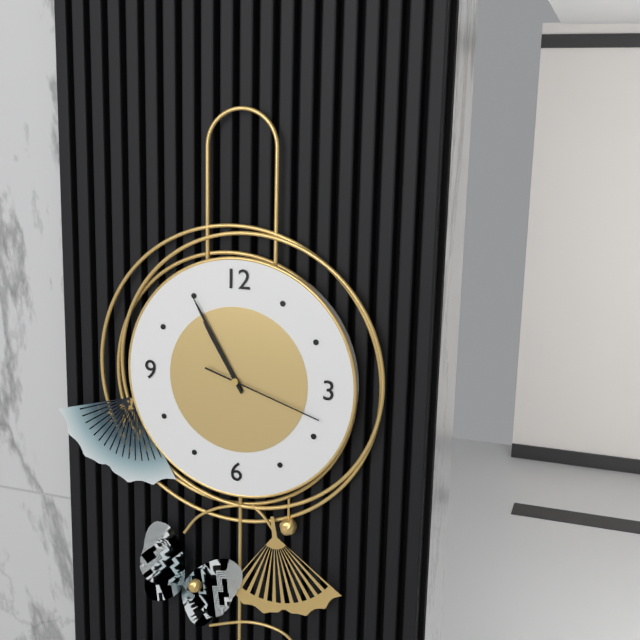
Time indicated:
{"hour": 10, "minute": 55, "second": 18}
